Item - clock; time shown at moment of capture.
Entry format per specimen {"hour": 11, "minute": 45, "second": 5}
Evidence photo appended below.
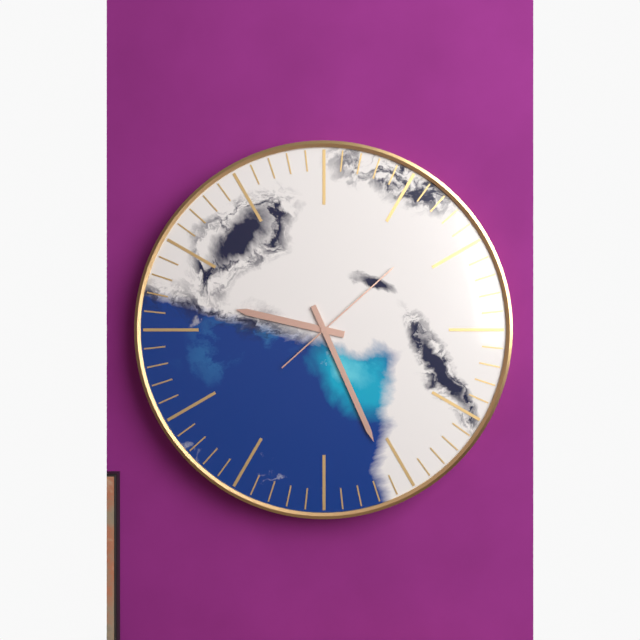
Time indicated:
{"hour": 9, "minute": 26, "second": 8}
